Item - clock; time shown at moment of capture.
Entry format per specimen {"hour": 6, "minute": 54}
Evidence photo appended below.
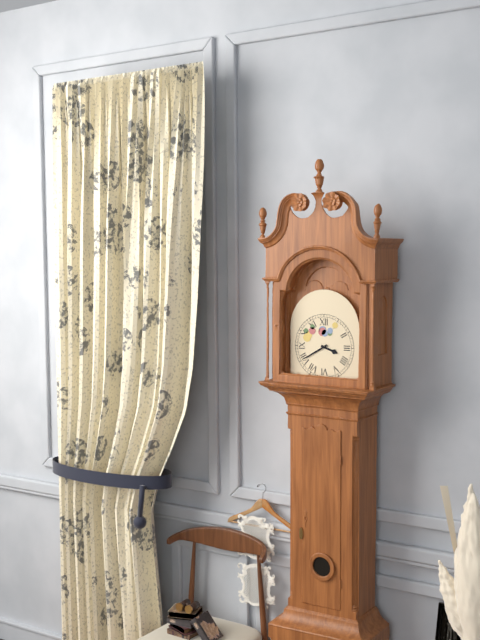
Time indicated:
{"hour": 3, "minute": 40}
